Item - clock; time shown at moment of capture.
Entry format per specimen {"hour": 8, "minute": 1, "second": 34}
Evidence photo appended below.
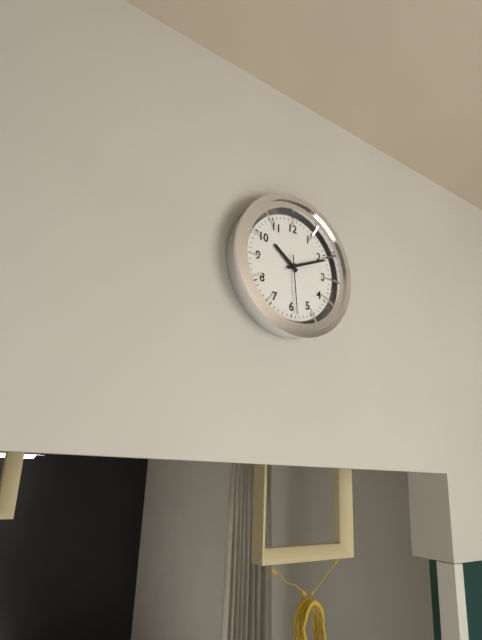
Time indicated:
{"hour": 10, "minute": 11, "second": 29}
